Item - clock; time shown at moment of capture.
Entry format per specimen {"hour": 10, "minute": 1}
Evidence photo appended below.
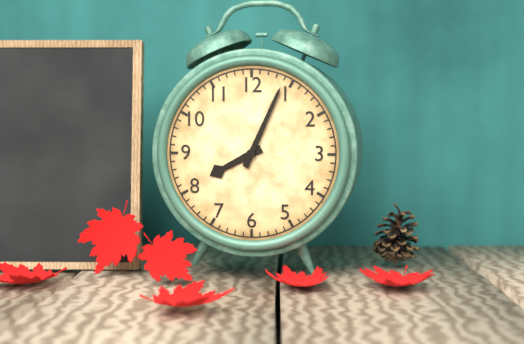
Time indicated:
{"hour": 8, "minute": 4}
